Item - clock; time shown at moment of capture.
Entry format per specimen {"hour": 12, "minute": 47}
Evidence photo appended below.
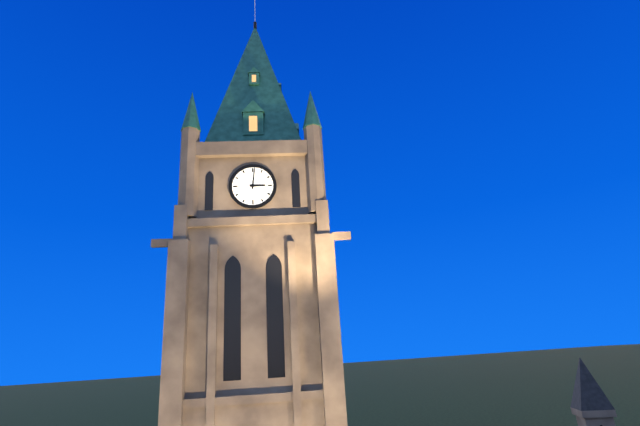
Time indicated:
{"hour": 3, "minute": 1}
